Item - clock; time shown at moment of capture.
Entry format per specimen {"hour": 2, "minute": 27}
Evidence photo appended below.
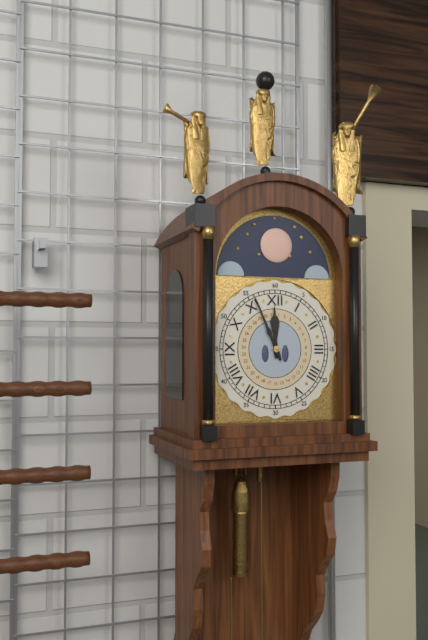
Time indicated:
{"hour": 11, "minute": 56}
